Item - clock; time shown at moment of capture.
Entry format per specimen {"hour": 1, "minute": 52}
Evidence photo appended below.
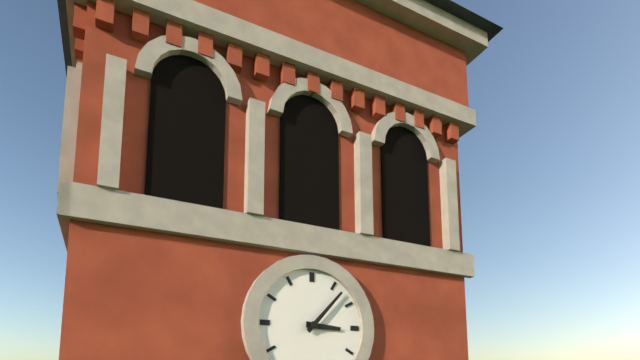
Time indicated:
{"hour": 3, "minute": 7}
